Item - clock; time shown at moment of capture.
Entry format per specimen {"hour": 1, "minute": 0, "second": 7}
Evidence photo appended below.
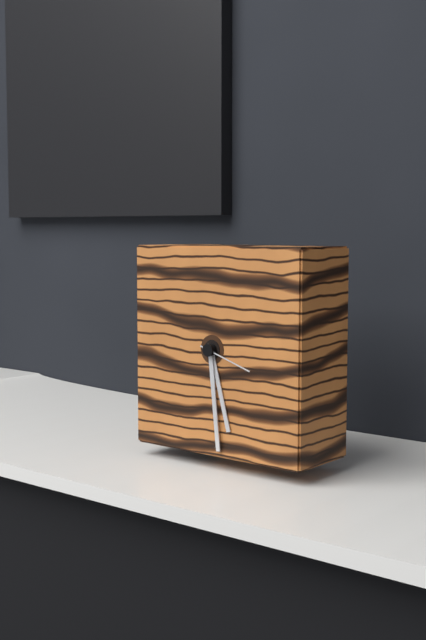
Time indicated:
{"hour": 5, "minute": 29, "second": 18}
